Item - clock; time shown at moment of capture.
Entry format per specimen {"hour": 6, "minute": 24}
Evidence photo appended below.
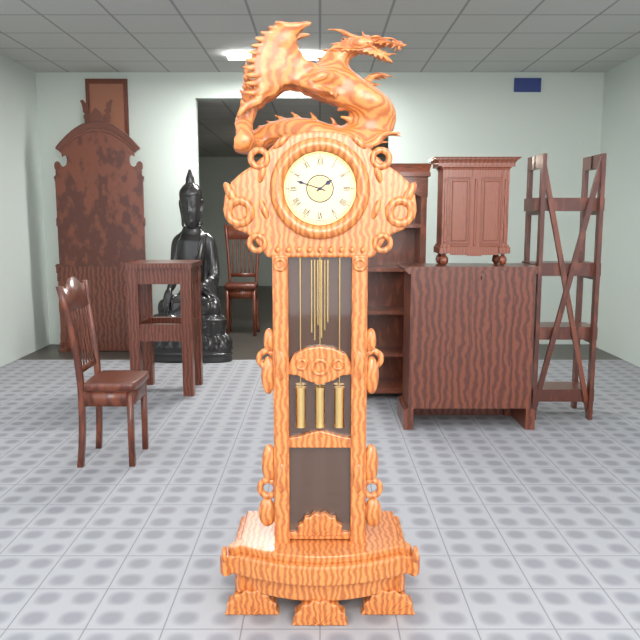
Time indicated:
{"hour": 1, "minute": 48}
